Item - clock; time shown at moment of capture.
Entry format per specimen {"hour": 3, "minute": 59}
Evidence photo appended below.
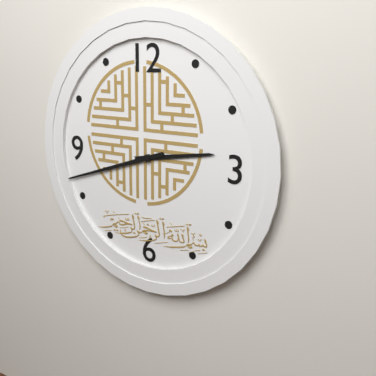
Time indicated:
{"hour": 2, "minute": 42}
